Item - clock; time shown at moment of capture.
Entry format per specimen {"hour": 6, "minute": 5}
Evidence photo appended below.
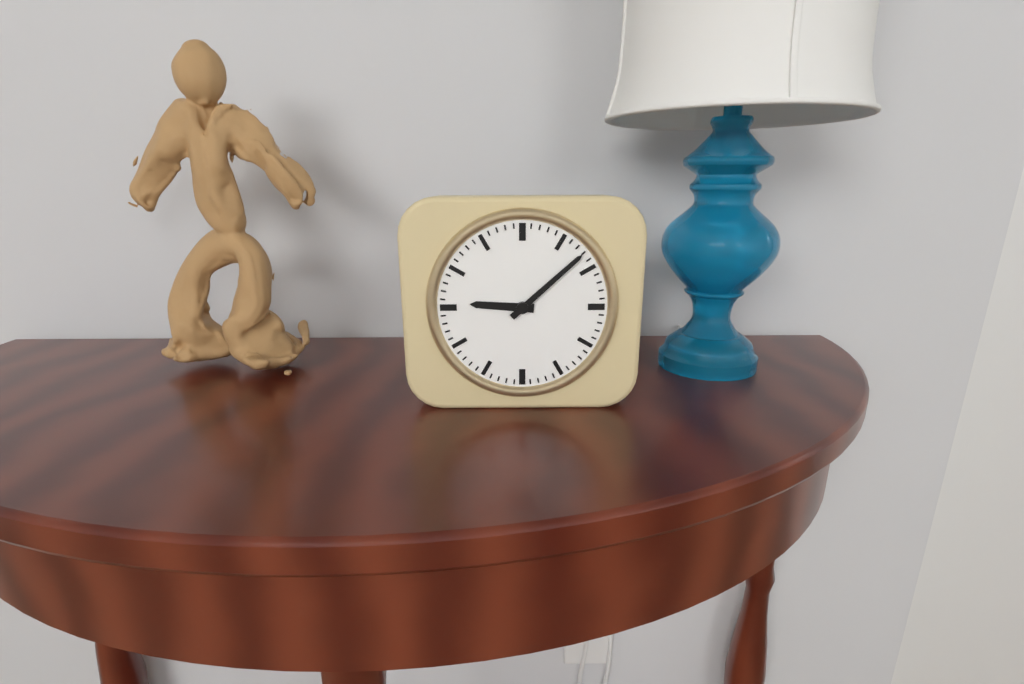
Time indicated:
{"hour": 9, "minute": 8}
